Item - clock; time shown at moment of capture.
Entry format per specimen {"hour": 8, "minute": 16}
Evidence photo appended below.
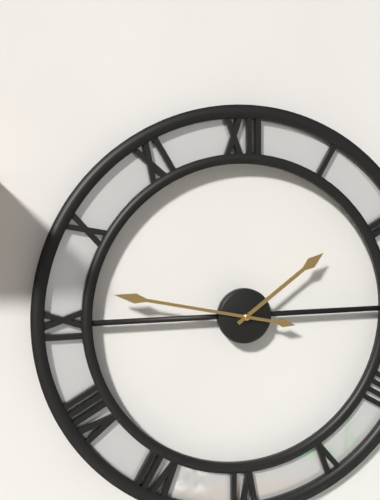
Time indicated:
{"hour": 1, "minute": 47}
